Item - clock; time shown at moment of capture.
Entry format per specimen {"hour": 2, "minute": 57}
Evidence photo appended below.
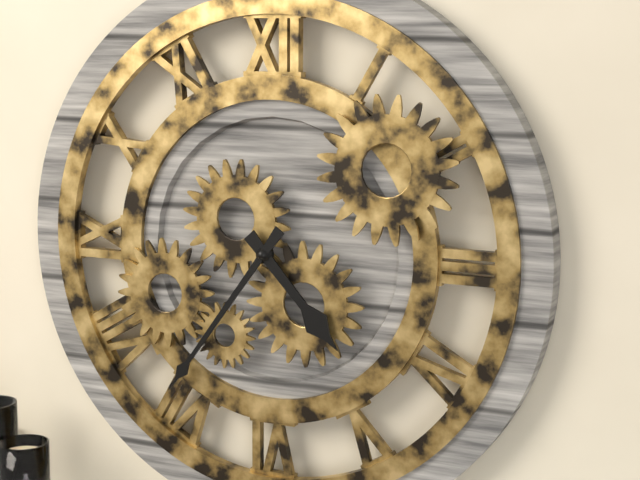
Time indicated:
{"hour": 4, "minute": 36}
